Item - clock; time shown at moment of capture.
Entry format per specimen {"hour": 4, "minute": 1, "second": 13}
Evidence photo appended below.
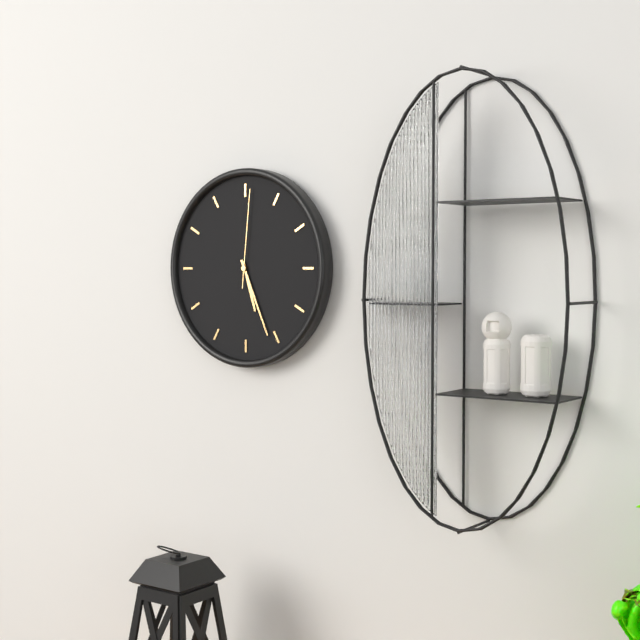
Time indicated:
{"hour": 5, "minute": 26, "second": 1}
